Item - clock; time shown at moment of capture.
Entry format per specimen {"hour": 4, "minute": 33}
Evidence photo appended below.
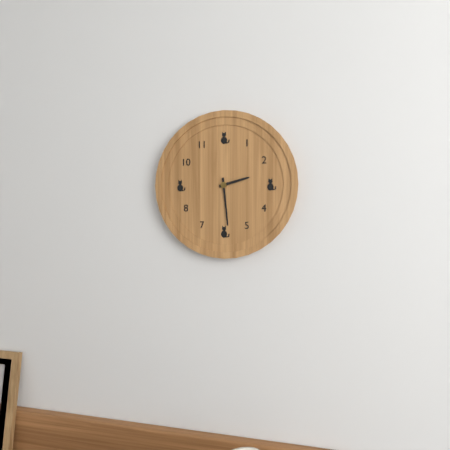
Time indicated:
{"hour": 2, "minute": 29}
